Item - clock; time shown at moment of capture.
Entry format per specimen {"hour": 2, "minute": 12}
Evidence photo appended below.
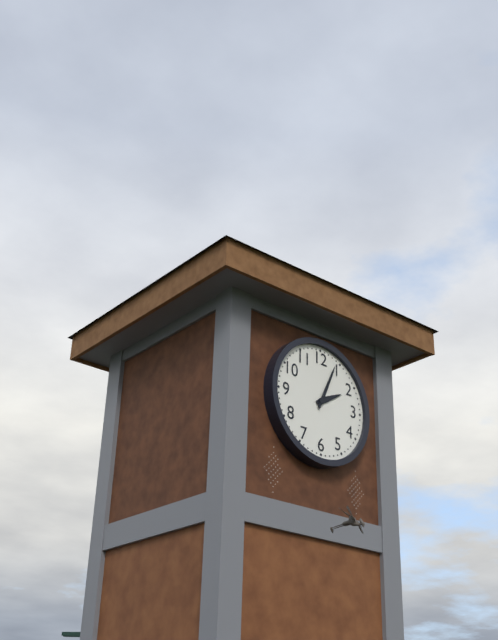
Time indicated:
{"hour": 2, "minute": 4}
